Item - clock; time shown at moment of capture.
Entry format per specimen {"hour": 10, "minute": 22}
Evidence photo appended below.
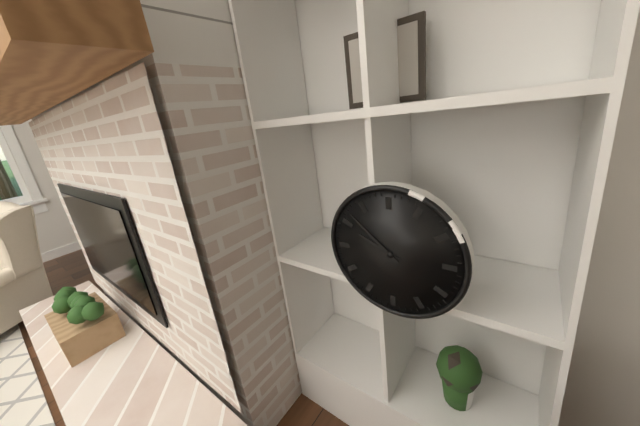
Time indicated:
{"hour": 9, "minute": 52}
